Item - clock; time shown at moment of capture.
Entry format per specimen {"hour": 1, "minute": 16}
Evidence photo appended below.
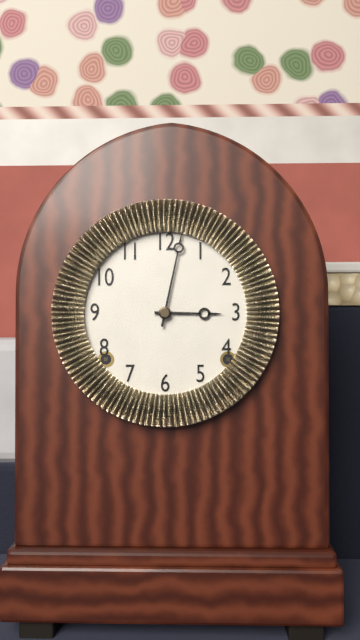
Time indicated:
{"hour": 3, "minute": 2}
